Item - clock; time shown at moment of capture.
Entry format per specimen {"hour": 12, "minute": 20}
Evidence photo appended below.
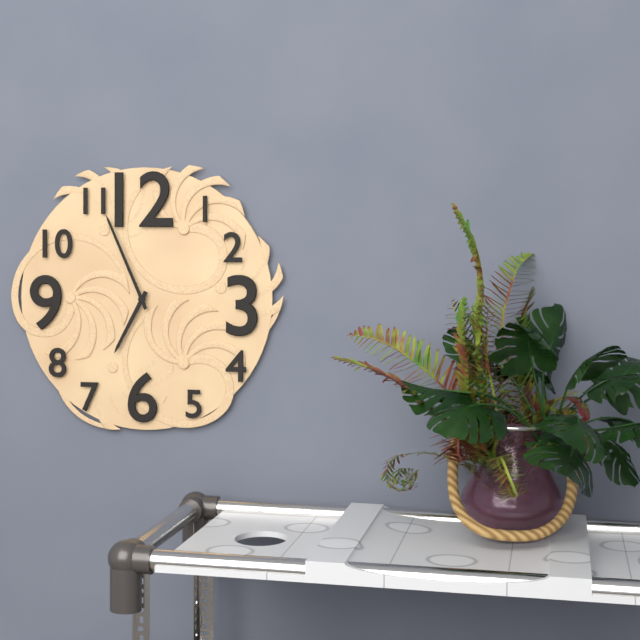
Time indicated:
{"hour": 6, "minute": 56}
